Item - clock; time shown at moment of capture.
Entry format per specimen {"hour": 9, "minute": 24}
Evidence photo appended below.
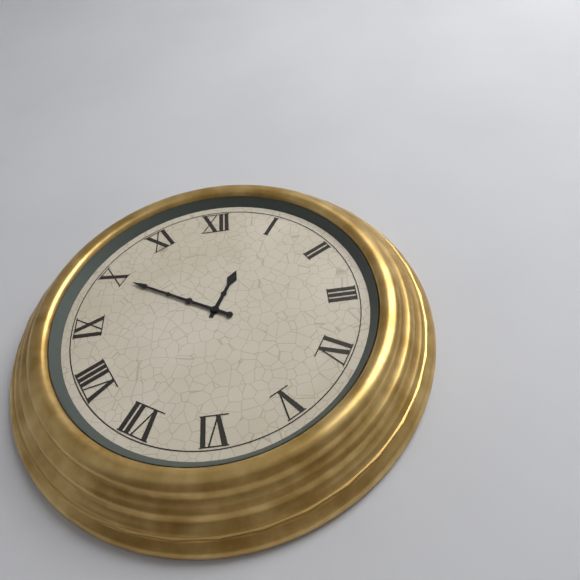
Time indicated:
{"hour": 12, "minute": 50}
